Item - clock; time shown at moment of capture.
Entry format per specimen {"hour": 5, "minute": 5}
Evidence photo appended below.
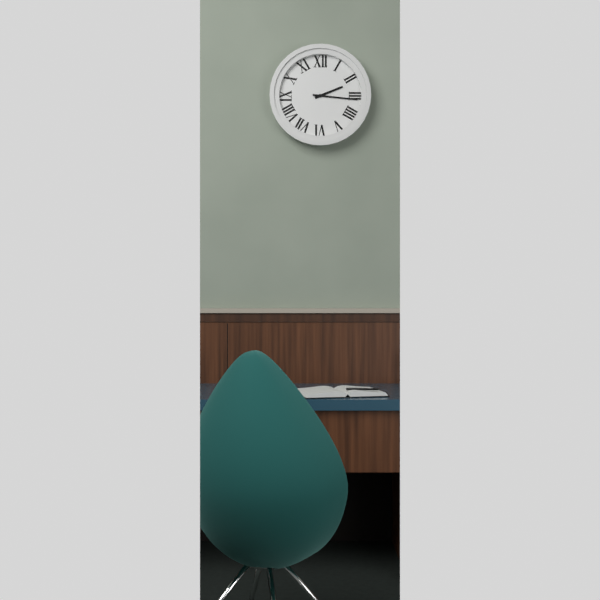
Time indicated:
{"hour": 2, "minute": 16}
